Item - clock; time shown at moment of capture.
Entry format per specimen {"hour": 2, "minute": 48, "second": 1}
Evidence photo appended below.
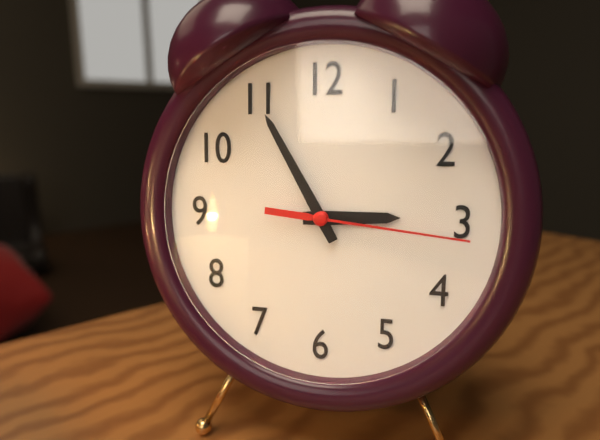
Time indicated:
{"hour": 2, "minute": 55, "second": 16}
